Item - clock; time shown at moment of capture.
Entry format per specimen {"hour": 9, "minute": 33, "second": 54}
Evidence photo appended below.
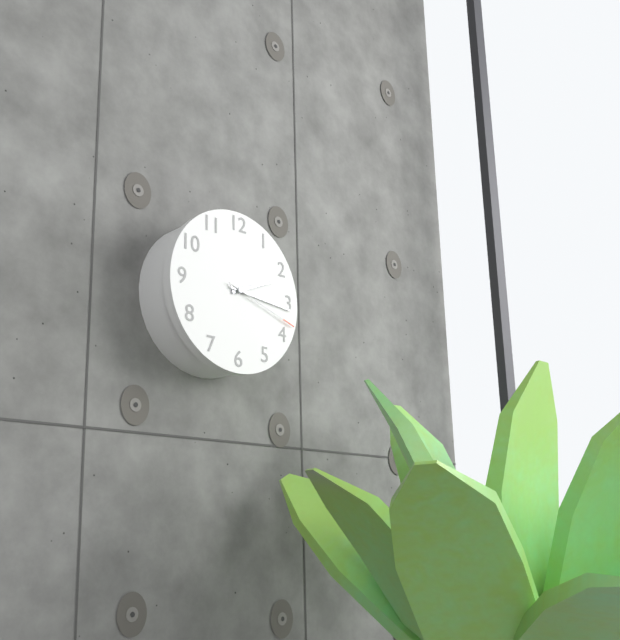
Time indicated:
{"hour": 2, "minute": 16, "second": 18}
